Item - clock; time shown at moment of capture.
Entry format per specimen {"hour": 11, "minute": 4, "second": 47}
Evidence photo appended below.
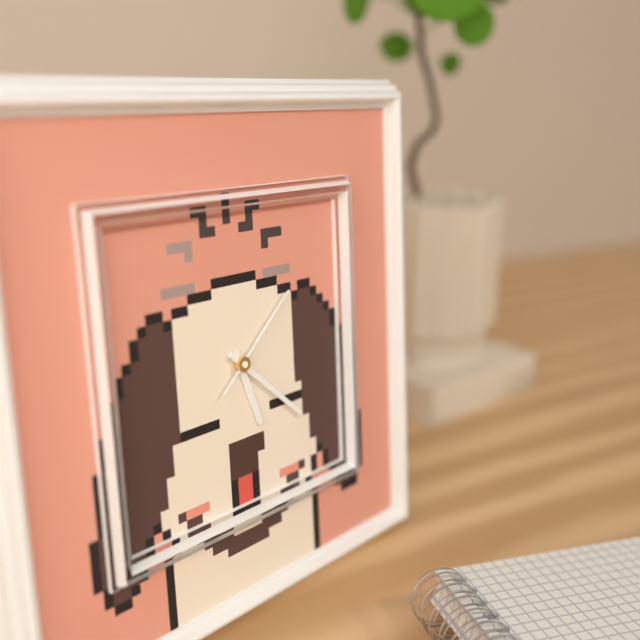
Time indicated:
{"hour": 5, "minute": 22, "second": 8}
